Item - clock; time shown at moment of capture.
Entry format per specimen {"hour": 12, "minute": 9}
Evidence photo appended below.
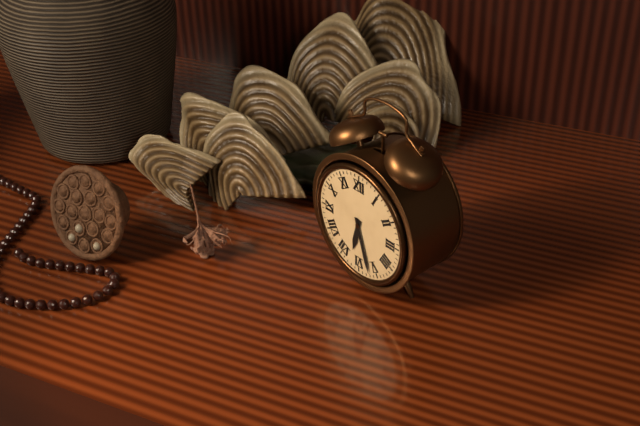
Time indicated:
{"hour": 6, "minute": 27}
